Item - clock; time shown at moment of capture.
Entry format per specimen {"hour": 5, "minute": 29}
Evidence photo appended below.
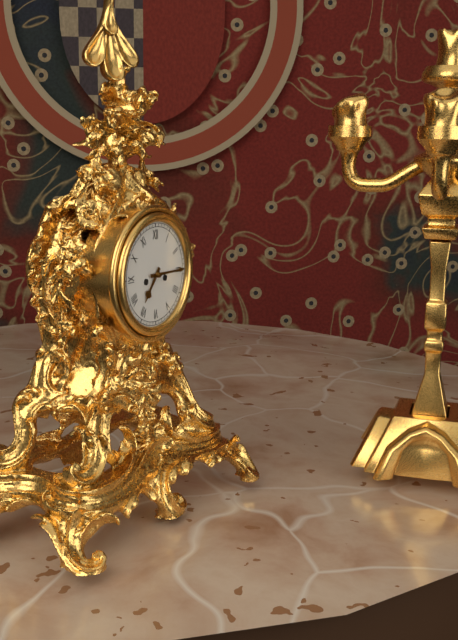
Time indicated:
{"hour": 7, "minute": 15}
